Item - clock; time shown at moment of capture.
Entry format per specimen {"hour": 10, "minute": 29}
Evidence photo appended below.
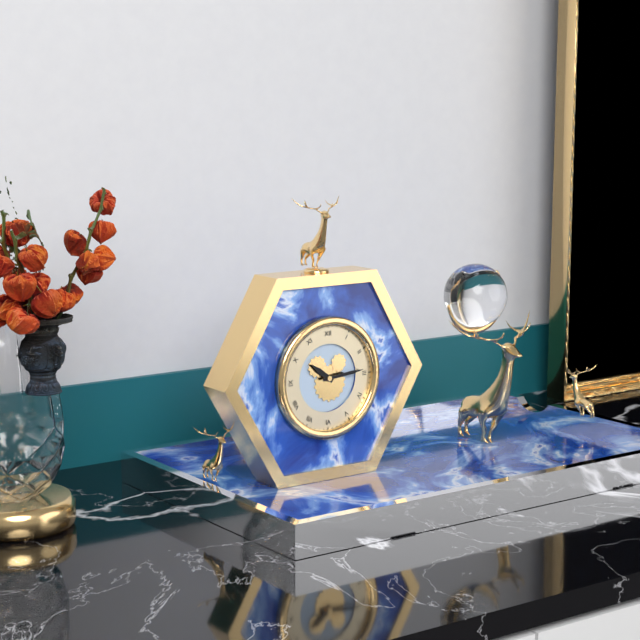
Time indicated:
{"hour": 10, "minute": 14}
